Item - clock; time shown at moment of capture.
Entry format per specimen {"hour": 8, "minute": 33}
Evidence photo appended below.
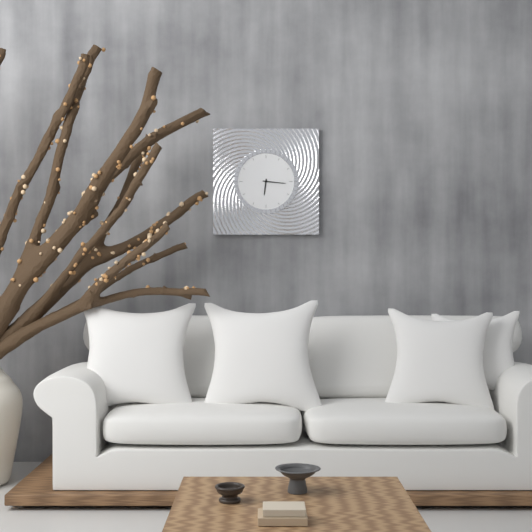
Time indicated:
{"hour": 6, "minute": 16}
